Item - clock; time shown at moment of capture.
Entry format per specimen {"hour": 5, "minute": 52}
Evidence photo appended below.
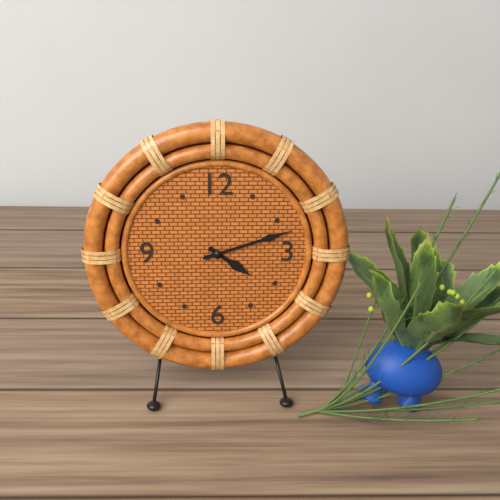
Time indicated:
{"hour": 4, "minute": 12}
